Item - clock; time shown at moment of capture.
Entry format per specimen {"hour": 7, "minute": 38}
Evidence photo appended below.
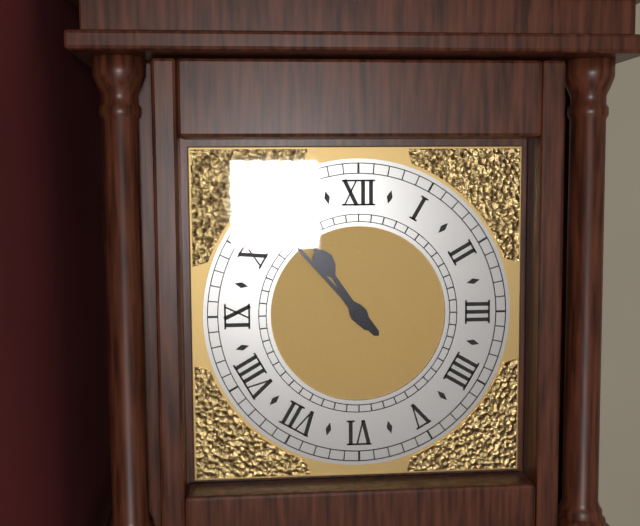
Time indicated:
{"hour": 10, "minute": 53}
